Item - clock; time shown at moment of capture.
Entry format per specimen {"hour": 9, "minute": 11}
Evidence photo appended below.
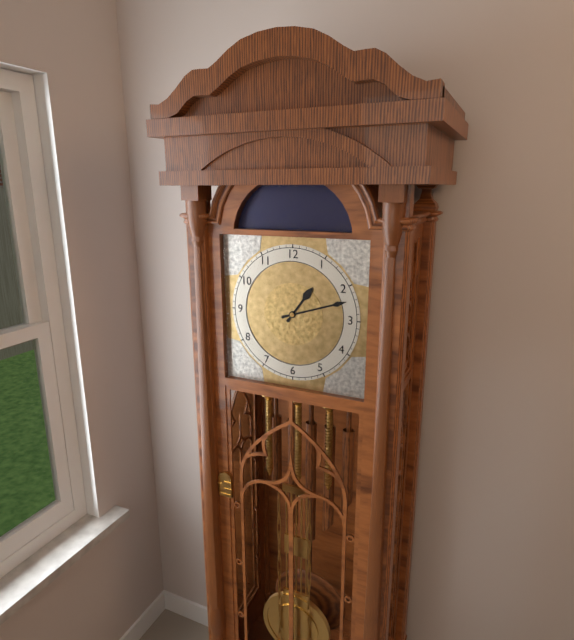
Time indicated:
{"hour": 1, "minute": 12}
